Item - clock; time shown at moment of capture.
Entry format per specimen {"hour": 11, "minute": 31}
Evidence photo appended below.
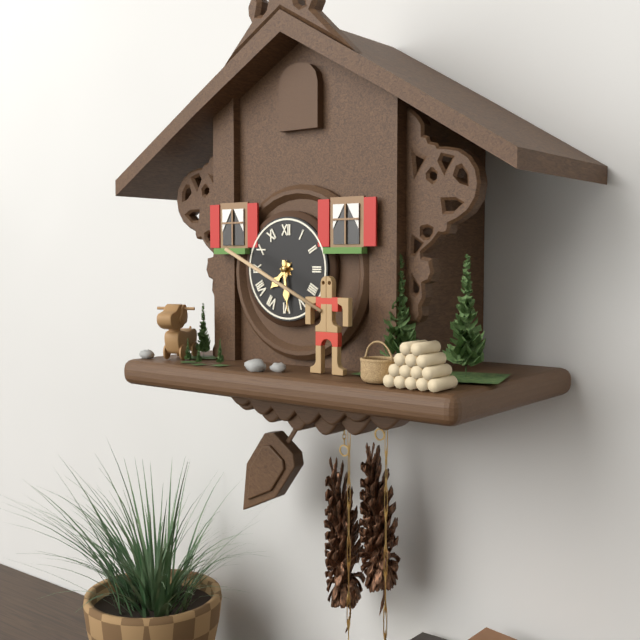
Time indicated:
{"hour": 7, "minute": 29}
